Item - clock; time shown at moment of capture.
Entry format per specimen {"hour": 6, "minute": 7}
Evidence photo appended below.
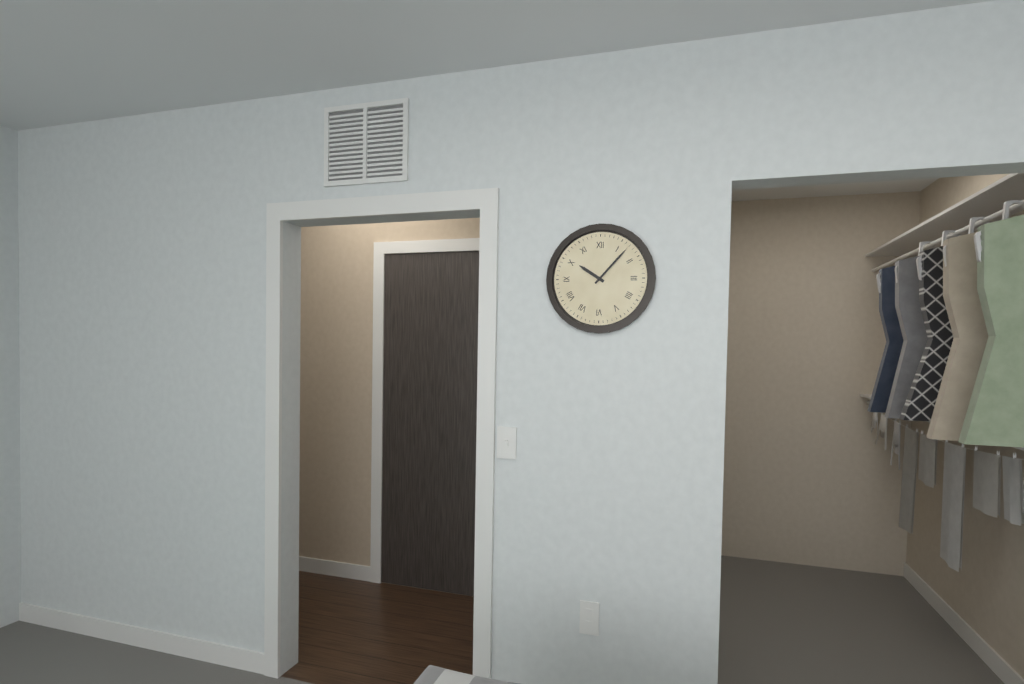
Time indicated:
{"hour": 10, "minute": 7}
